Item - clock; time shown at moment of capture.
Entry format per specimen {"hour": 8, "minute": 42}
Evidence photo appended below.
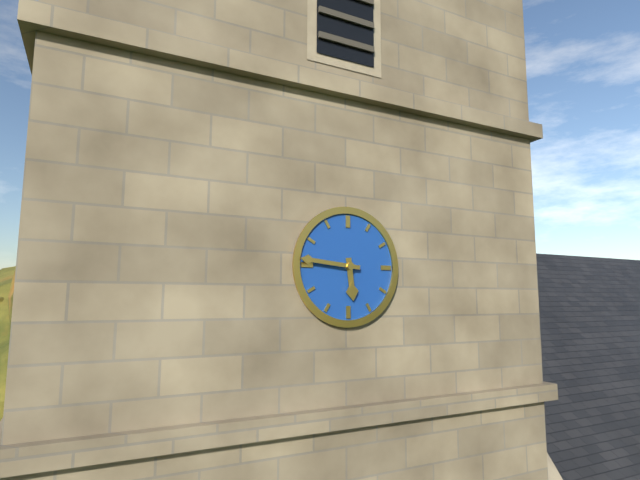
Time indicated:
{"hour": 5, "minute": 46}
